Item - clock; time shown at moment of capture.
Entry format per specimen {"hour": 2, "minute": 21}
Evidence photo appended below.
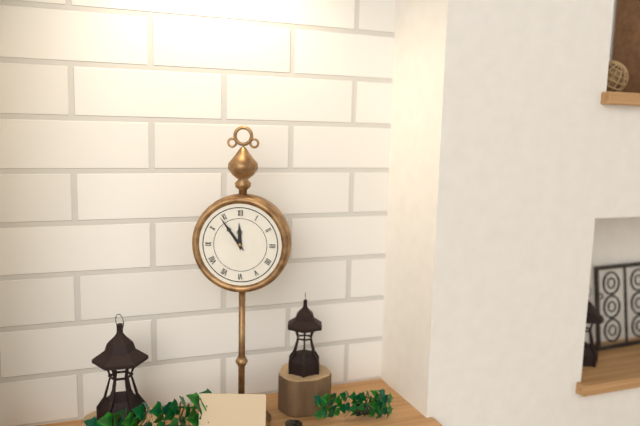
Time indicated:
{"hour": 11, "minute": 54}
